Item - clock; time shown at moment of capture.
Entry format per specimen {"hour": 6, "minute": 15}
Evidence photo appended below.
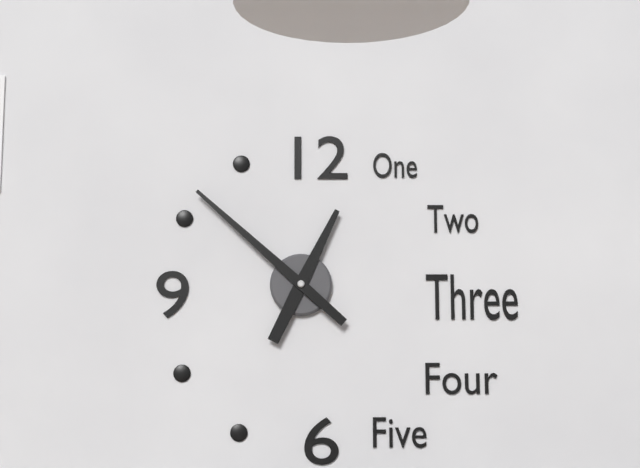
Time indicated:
{"hour": 12, "minute": 52}
